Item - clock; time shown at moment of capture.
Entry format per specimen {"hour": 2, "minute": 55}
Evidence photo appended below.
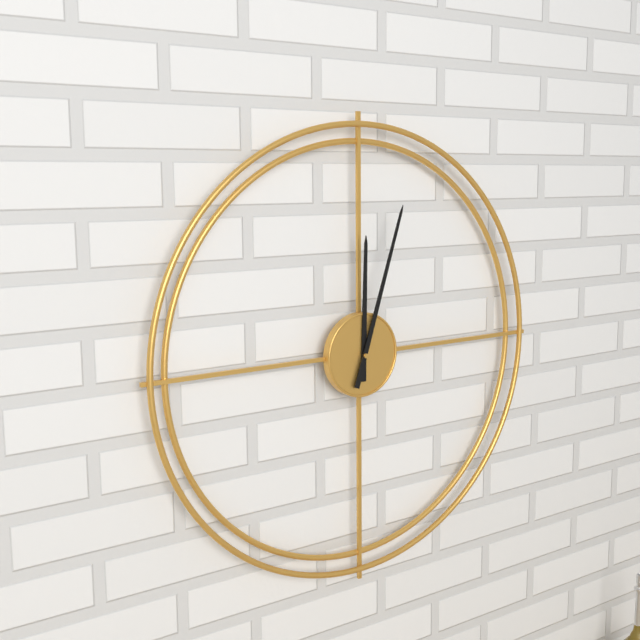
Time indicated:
{"hour": 12, "minute": 3}
